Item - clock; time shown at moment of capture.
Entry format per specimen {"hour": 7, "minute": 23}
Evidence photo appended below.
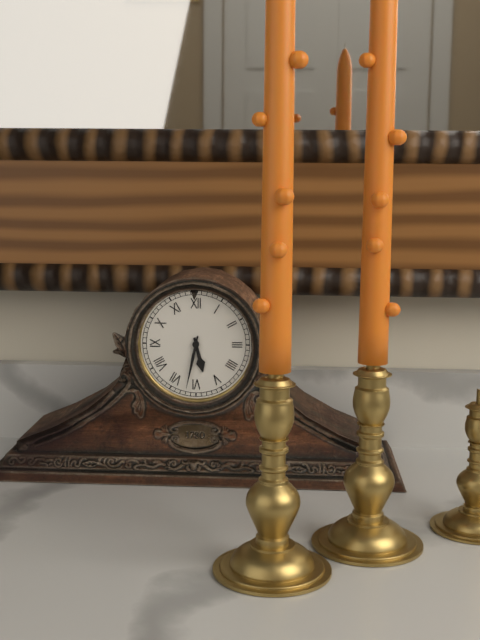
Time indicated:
{"hour": 5, "minute": 32}
